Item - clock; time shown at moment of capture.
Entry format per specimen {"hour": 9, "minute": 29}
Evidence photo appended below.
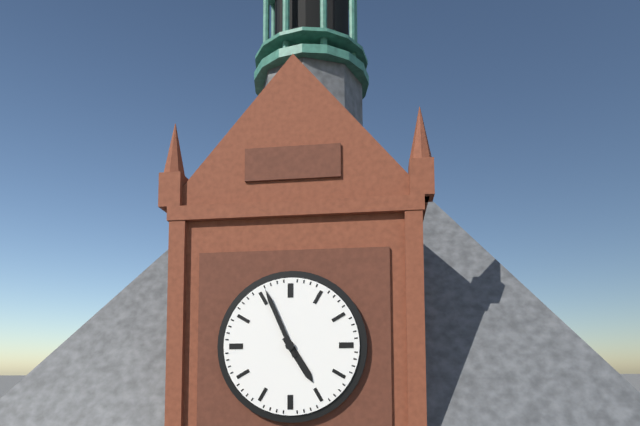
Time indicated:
{"hour": 4, "minute": 56}
